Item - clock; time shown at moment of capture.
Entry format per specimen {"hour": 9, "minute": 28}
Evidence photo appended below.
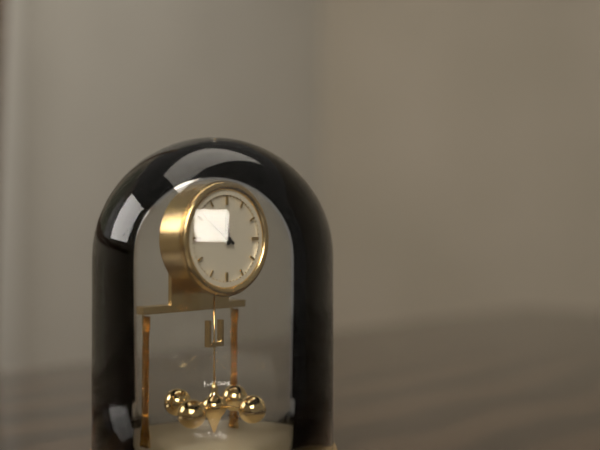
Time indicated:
{"hour": 11, "minute": 51}
